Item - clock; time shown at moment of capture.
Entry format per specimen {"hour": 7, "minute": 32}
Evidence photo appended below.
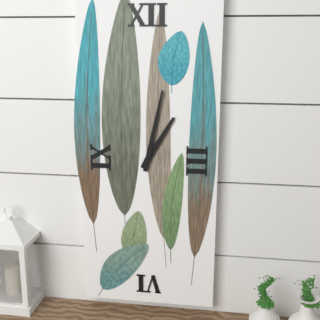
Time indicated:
{"hour": 1, "minute": 2}
